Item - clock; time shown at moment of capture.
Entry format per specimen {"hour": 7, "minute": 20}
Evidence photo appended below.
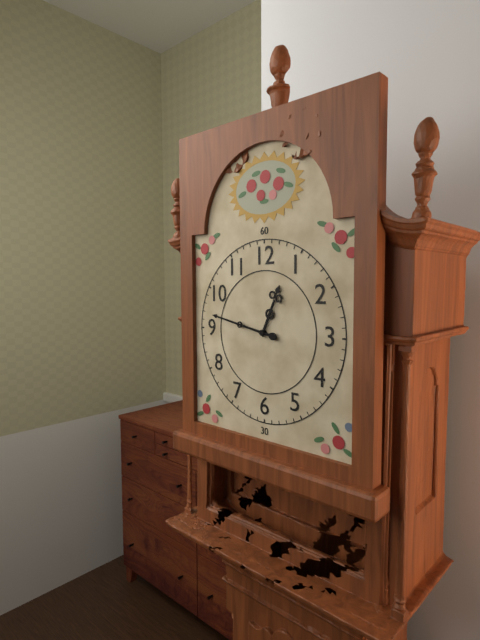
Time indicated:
{"hour": 12, "minute": 47}
